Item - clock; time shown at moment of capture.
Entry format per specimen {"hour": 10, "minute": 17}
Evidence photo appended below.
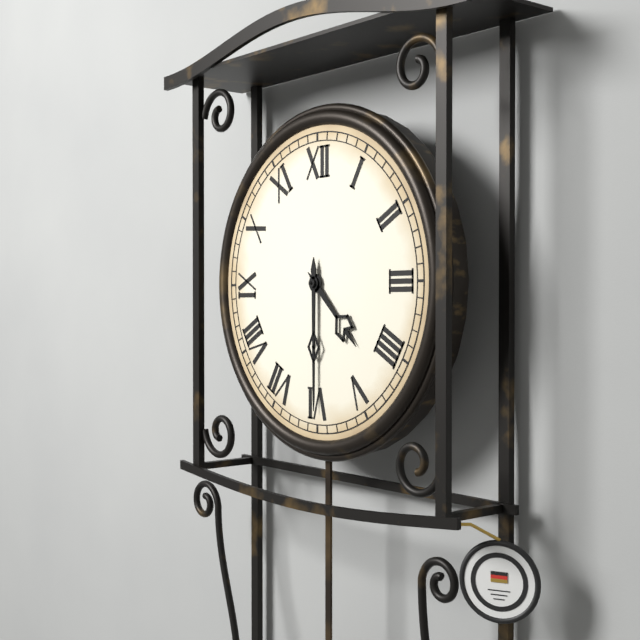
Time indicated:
{"hour": 4, "minute": 30}
